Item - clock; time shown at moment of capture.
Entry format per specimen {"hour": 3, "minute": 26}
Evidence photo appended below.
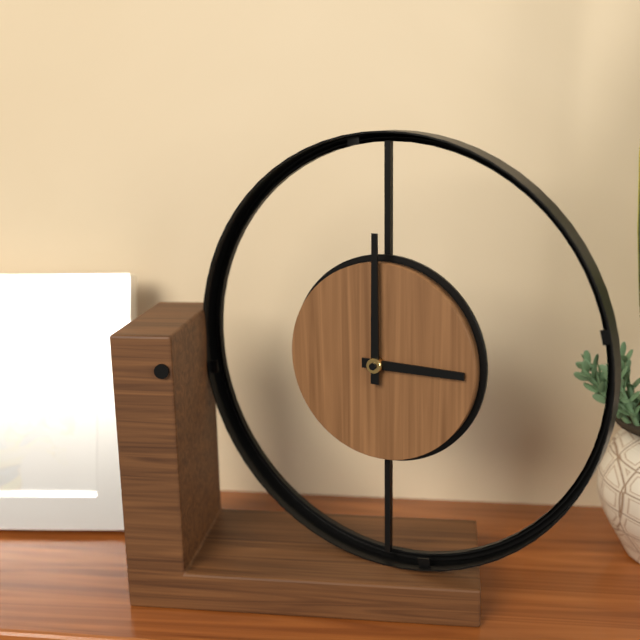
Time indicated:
{"hour": 3, "minute": 0}
